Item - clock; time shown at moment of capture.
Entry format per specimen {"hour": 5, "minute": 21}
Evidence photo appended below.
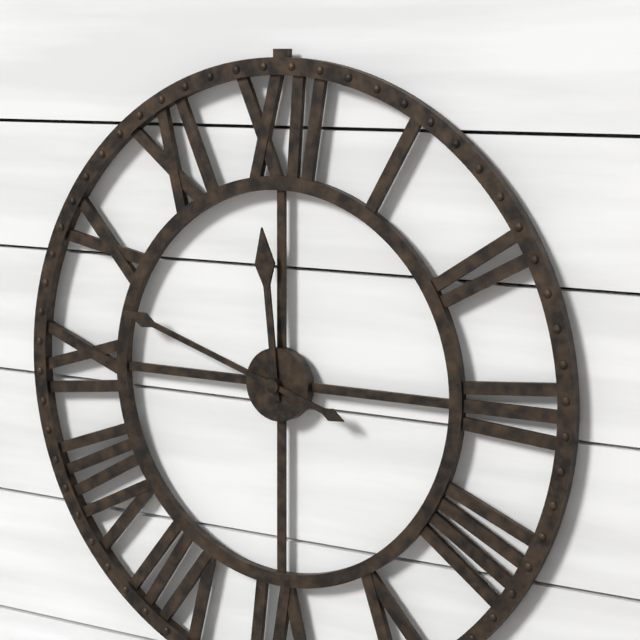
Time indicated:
{"hour": 11, "minute": 48}
